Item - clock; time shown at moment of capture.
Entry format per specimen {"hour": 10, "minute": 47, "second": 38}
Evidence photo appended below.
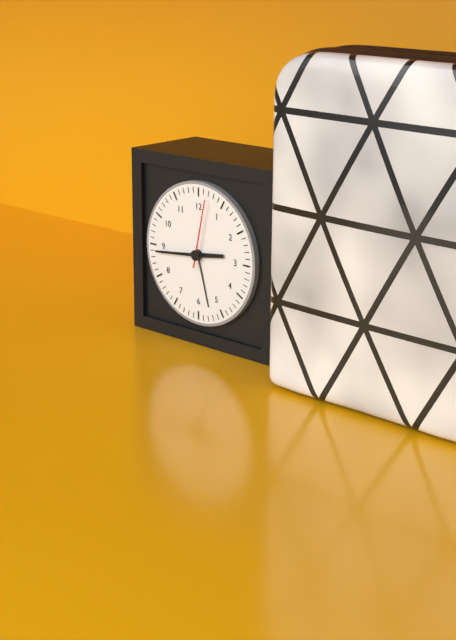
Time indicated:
{"hour": 2, "minute": 44, "second": 2}
